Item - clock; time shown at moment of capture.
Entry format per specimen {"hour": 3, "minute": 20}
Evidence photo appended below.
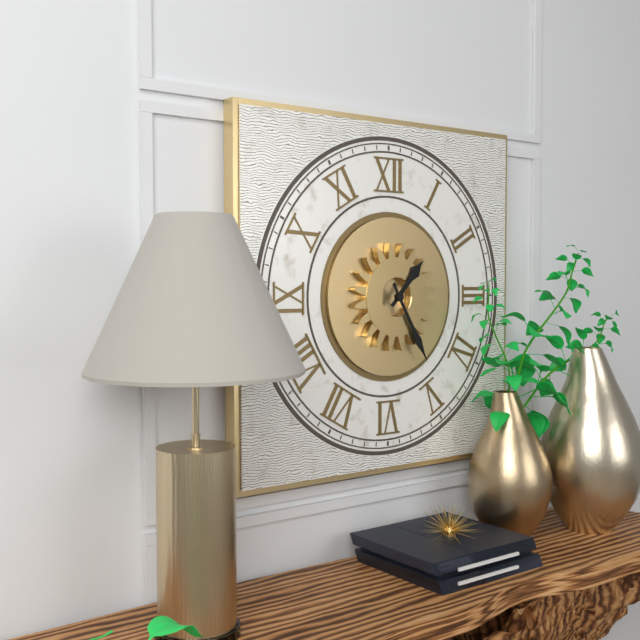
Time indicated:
{"hour": 1, "minute": 25}
